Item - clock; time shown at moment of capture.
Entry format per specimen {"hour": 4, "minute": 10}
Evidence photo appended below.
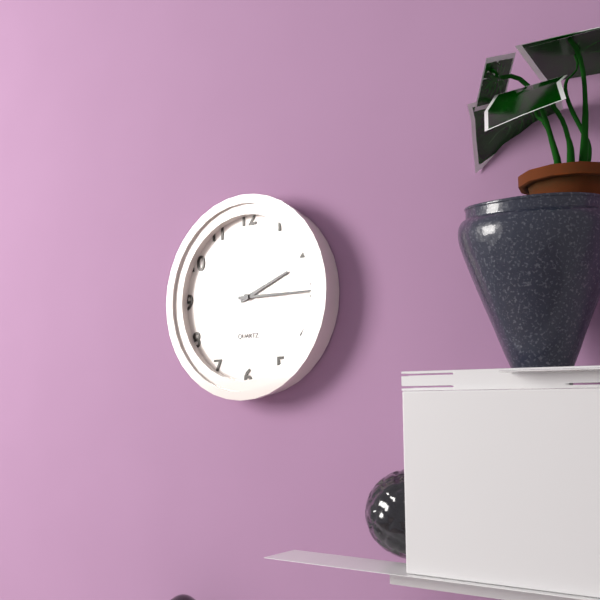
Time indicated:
{"hour": 2, "minute": 15}
